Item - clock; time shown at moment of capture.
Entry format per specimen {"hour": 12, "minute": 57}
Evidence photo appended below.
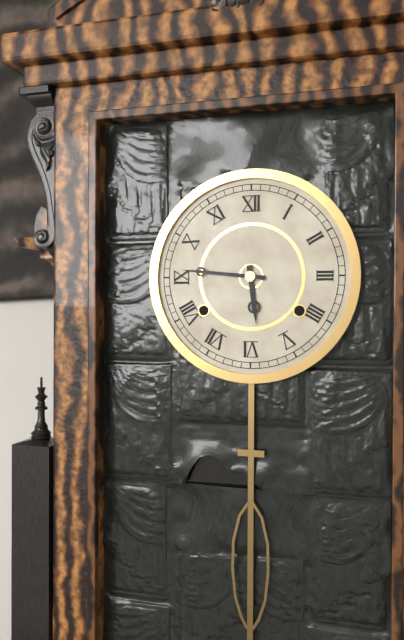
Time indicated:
{"hour": 5, "minute": 46}
